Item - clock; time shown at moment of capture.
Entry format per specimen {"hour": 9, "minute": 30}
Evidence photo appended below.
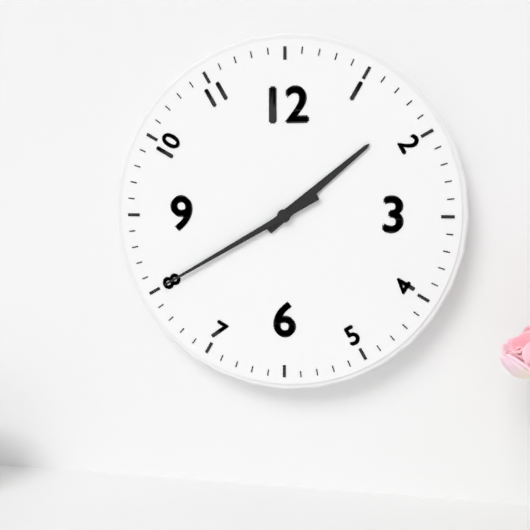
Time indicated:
{"hour": 1, "minute": 40}
